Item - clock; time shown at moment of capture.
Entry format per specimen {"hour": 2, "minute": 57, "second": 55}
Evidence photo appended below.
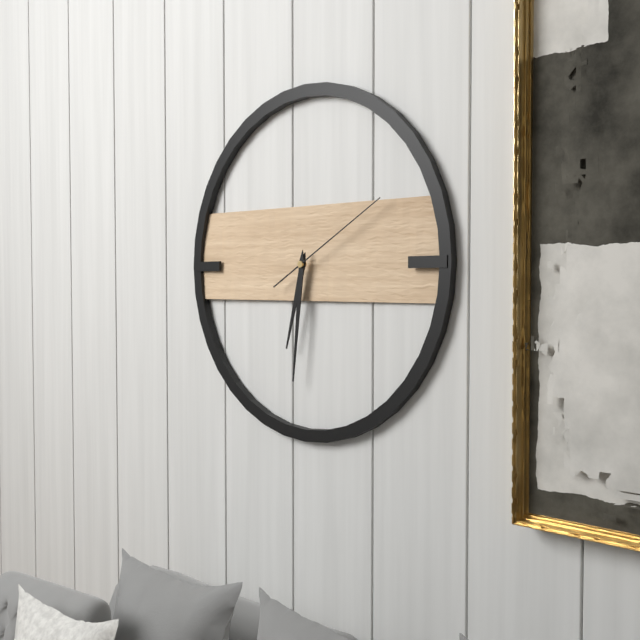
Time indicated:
{"hour": 6, "minute": 31, "second": 10}
